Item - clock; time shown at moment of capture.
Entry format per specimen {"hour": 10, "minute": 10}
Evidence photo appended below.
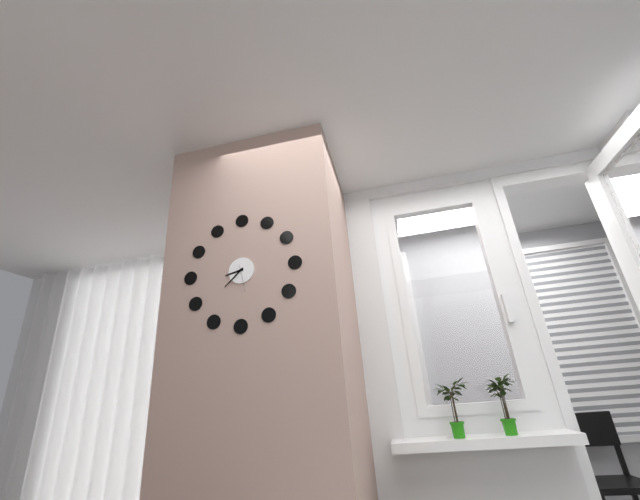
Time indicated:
{"hour": 8, "minute": 38}
